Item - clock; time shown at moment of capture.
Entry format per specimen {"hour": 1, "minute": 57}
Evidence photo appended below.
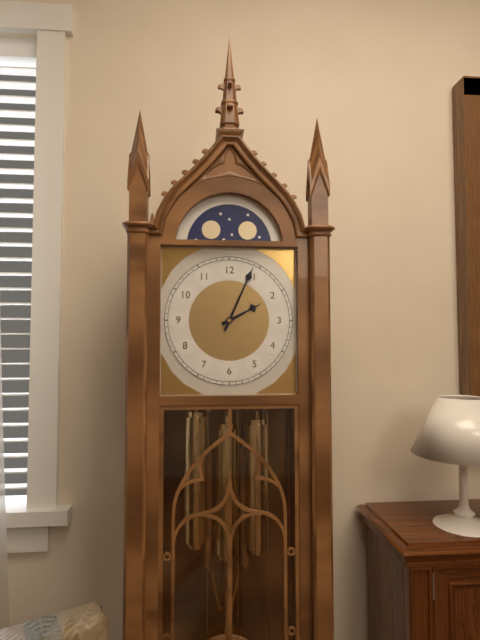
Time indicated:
{"hour": 2, "minute": 4}
